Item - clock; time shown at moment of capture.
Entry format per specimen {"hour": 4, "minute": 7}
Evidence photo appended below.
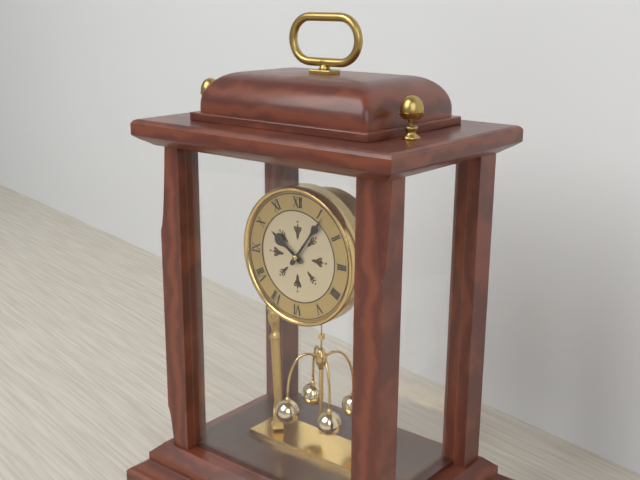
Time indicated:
{"hour": 10, "minute": 6}
